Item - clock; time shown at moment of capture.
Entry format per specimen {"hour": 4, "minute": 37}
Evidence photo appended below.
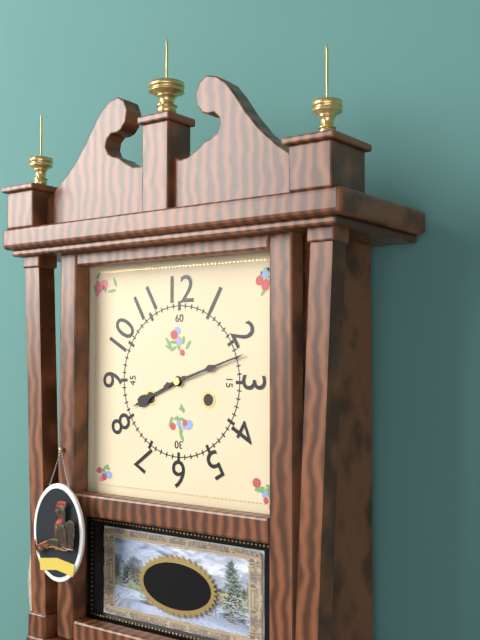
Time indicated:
{"hour": 8, "minute": 12}
